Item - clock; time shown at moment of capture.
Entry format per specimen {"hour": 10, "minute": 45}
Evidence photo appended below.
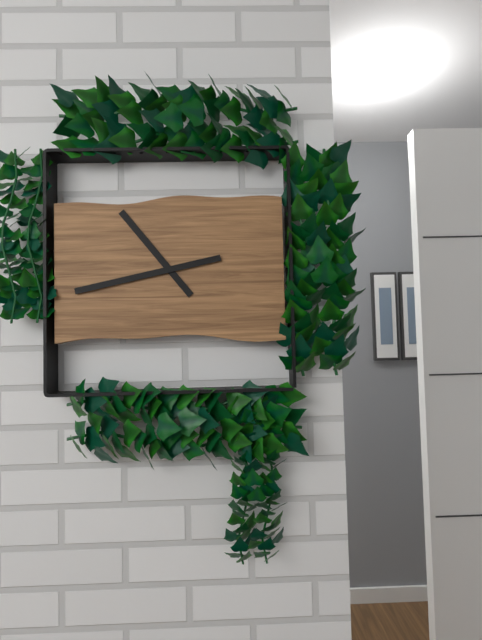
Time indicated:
{"hour": 10, "minute": 43}
